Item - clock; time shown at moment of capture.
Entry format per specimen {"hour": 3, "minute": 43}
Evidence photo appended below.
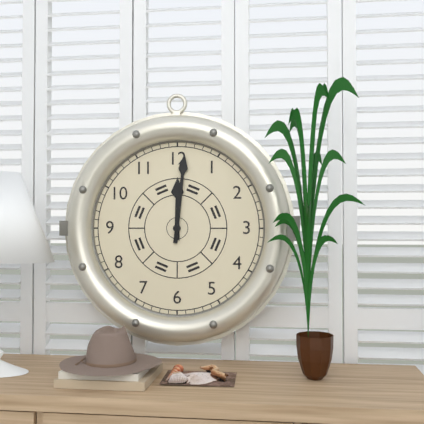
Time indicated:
{"hour": 12, "minute": 1}
